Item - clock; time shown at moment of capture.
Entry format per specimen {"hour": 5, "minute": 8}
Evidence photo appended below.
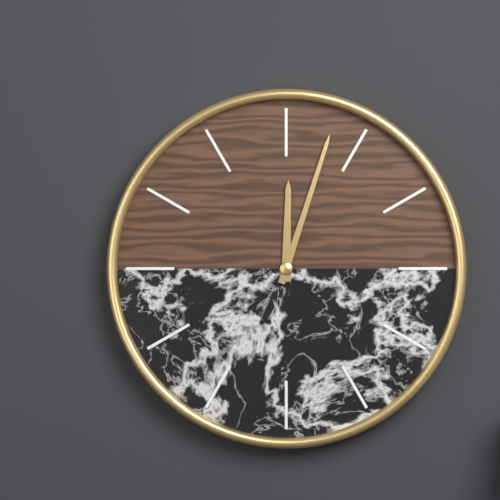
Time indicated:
{"hour": 12, "minute": 3}
